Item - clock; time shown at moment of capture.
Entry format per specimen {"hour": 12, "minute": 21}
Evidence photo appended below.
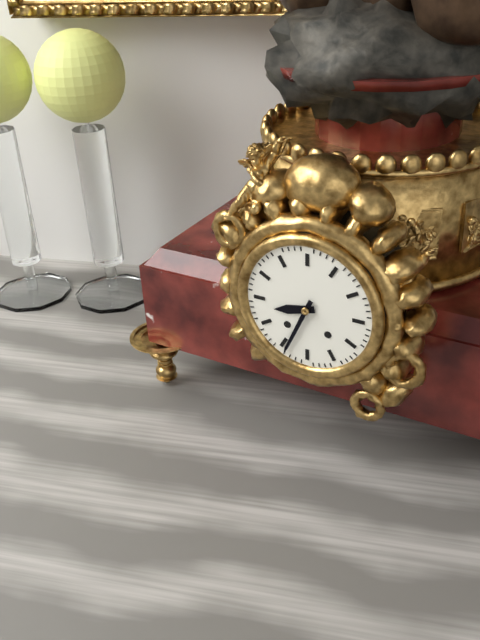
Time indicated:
{"hour": 8, "minute": 34}
